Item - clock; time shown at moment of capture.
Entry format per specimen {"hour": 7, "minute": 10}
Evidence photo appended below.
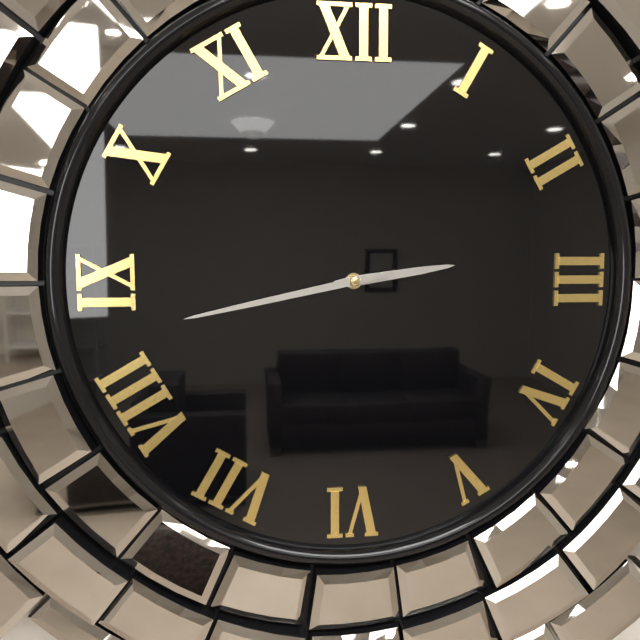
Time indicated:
{"hour": 2, "minute": 43}
